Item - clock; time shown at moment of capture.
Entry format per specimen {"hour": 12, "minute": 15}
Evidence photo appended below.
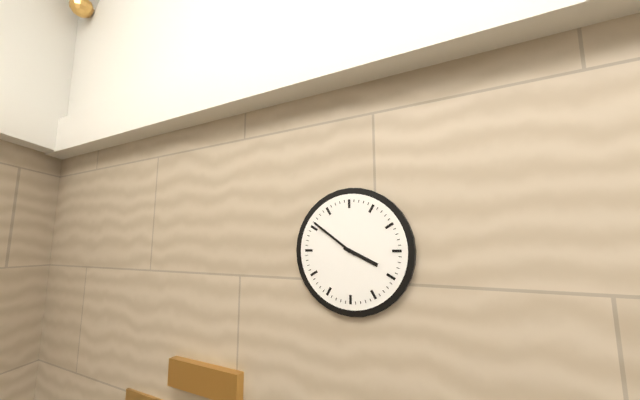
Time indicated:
{"hour": 3, "minute": 51}
